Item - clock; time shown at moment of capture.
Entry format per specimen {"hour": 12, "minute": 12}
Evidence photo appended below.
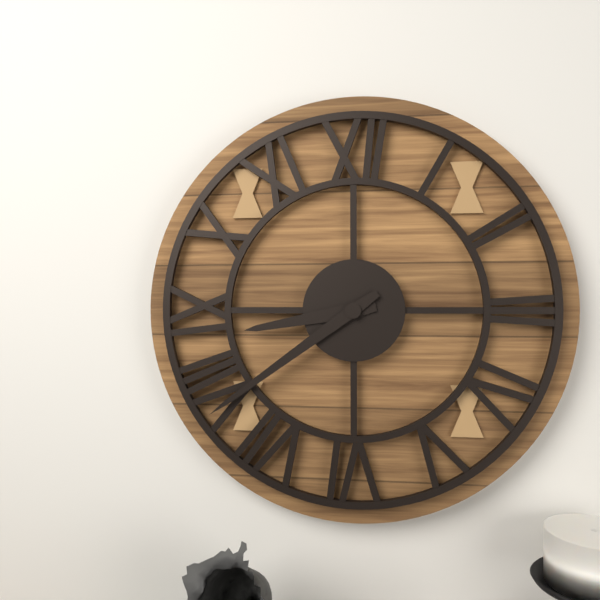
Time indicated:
{"hour": 8, "minute": 39}
